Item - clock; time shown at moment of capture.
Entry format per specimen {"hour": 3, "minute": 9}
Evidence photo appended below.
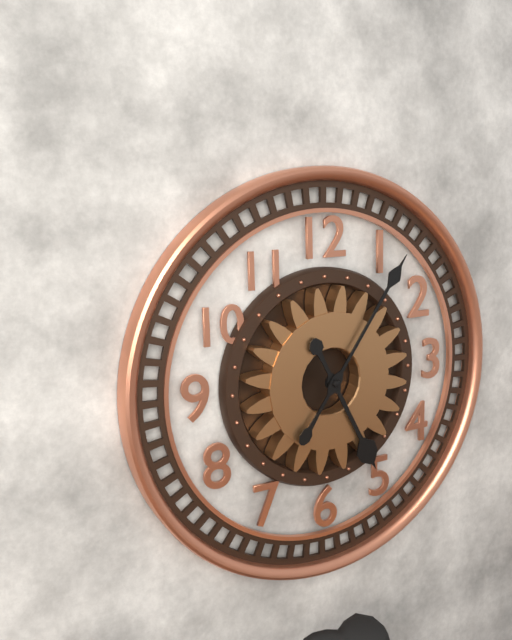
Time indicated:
{"hour": 5, "minute": 6}
